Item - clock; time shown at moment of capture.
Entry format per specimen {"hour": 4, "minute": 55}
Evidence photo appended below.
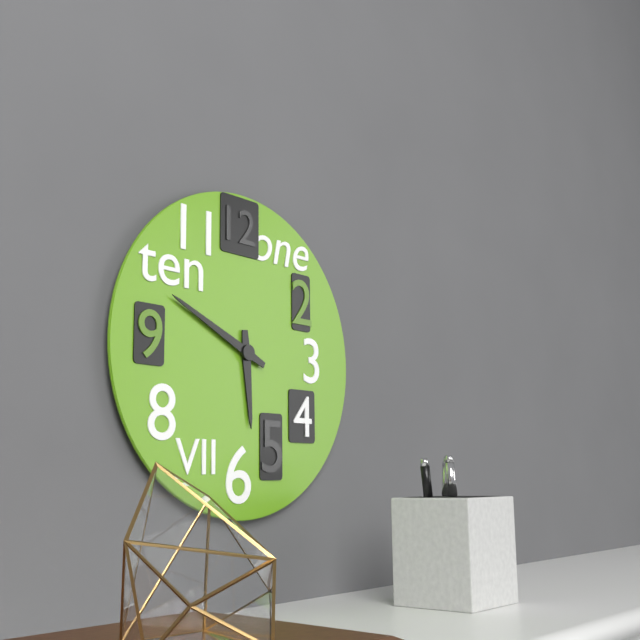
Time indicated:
{"hour": 5, "minute": 49}
